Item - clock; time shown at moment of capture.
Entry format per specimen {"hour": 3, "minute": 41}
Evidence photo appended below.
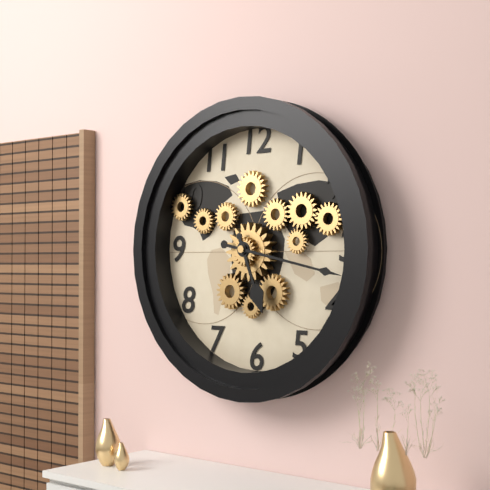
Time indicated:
{"hour": 5, "minute": 17}
